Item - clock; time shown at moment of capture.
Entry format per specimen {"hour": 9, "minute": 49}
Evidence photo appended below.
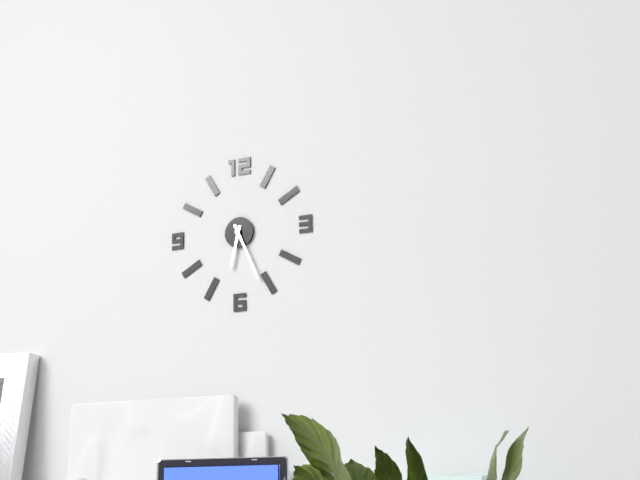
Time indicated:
{"hour": 6, "minute": 26}
